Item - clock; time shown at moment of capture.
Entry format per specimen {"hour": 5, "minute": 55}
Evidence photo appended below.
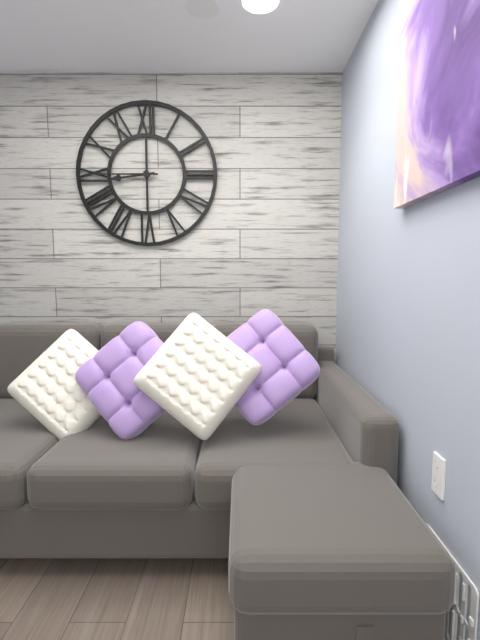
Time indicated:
{"hour": 8, "minute": 45}
